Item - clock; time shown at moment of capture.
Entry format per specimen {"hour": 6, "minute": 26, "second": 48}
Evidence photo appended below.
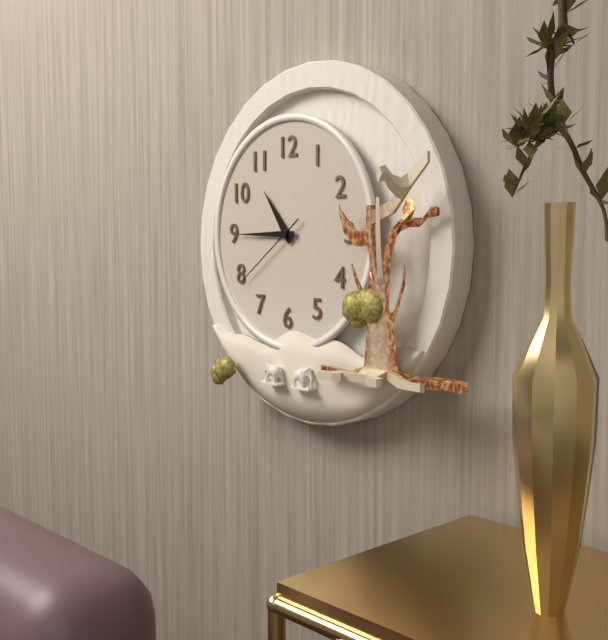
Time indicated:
{"hour": 10, "minute": 45, "second": 39}
